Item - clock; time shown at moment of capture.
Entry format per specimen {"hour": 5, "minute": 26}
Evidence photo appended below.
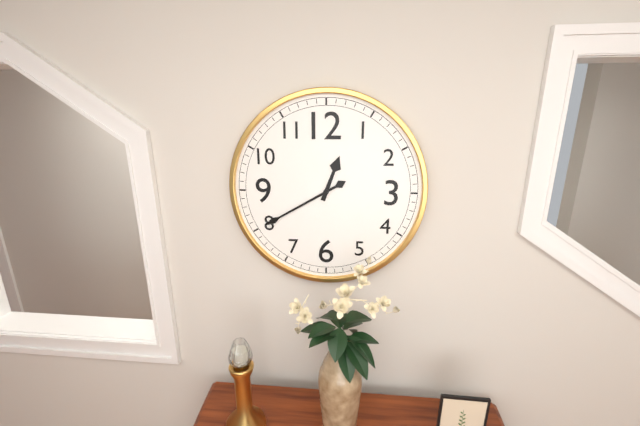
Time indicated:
{"hour": 12, "minute": 40}
